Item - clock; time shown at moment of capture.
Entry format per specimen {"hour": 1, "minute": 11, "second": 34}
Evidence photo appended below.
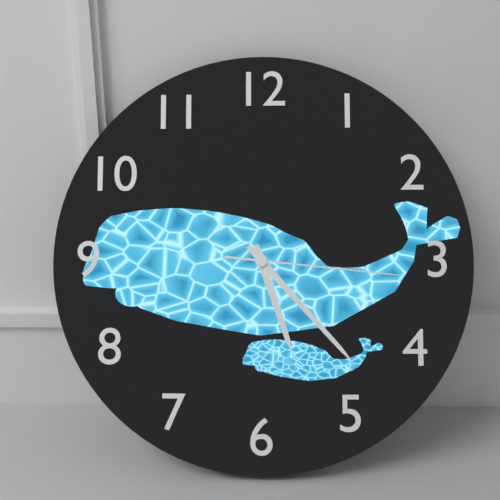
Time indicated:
{"hour": 5, "minute": 23, "second": 16}
